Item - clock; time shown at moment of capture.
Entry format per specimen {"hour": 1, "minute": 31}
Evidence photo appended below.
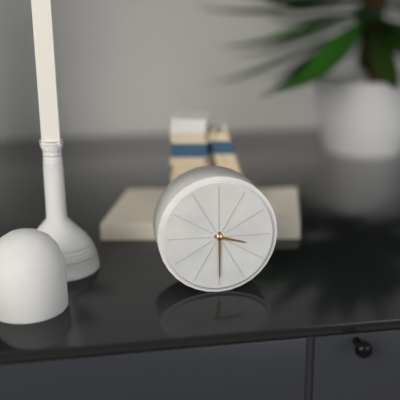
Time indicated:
{"hour": 3, "minute": 30}
